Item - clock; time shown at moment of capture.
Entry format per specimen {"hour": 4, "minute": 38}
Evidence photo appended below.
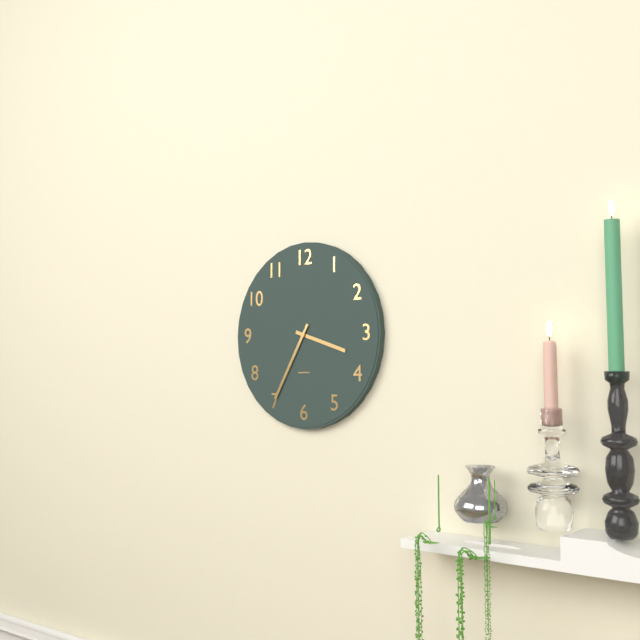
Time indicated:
{"hour": 3, "minute": 35}
